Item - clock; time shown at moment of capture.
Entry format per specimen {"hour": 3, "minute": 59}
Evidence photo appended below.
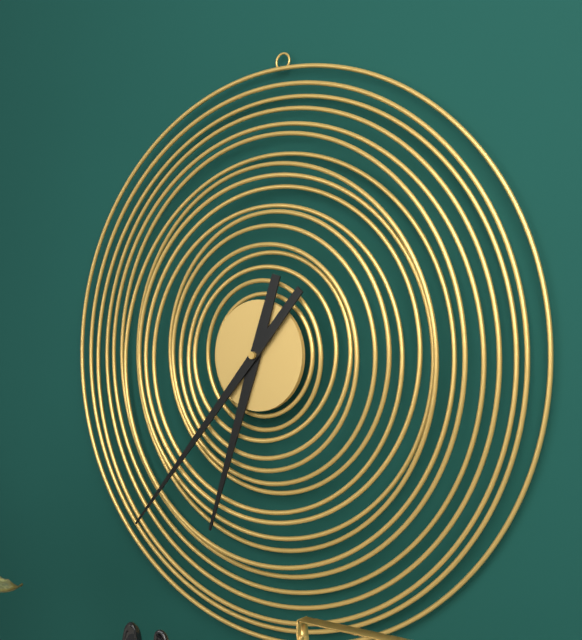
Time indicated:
{"hour": 6, "minute": 37}
